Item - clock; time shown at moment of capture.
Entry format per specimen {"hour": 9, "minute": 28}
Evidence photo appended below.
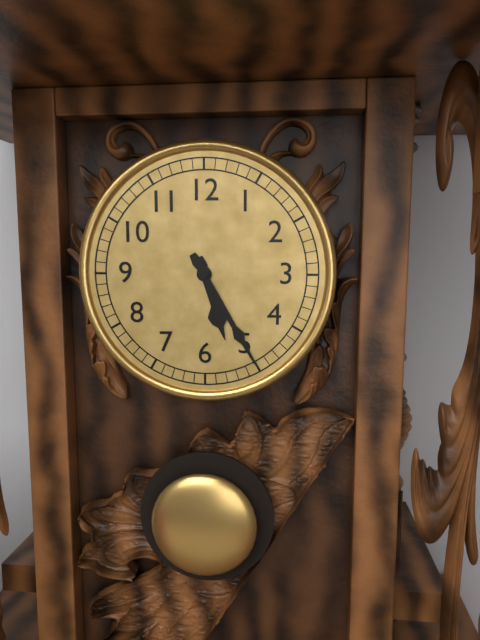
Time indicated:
{"hour": 5, "minute": 25}
